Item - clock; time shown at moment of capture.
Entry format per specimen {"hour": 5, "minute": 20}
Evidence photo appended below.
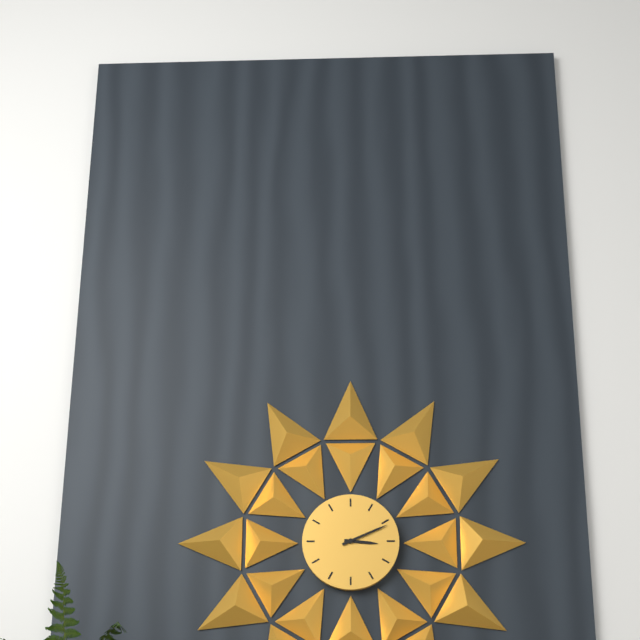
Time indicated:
{"hour": 3, "minute": 11}
